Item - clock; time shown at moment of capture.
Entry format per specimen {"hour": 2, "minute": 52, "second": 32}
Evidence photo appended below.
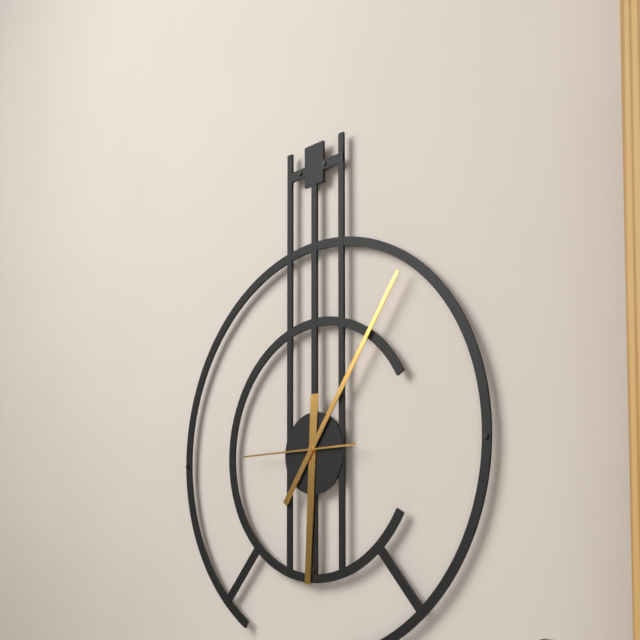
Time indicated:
{"hour": 6, "minute": 6, "second": 45}
